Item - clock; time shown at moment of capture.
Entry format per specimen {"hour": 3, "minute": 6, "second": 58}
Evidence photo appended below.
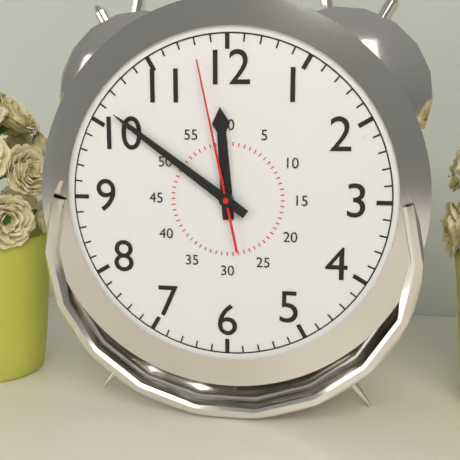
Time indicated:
{"hour": 11, "minute": 51, "second": 58}
